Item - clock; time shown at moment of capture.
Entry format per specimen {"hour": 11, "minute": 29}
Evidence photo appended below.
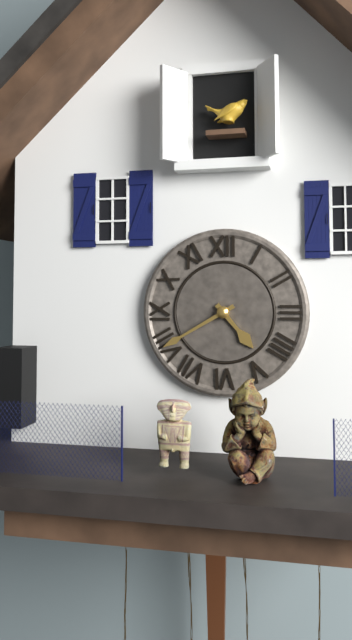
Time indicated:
{"hour": 4, "minute": 40}
